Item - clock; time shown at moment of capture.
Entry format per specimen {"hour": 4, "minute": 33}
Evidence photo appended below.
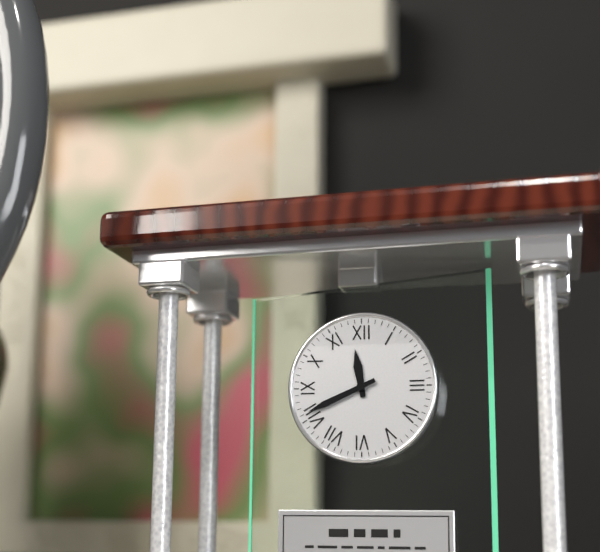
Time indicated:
{"hour": 11, "minute": 41}
